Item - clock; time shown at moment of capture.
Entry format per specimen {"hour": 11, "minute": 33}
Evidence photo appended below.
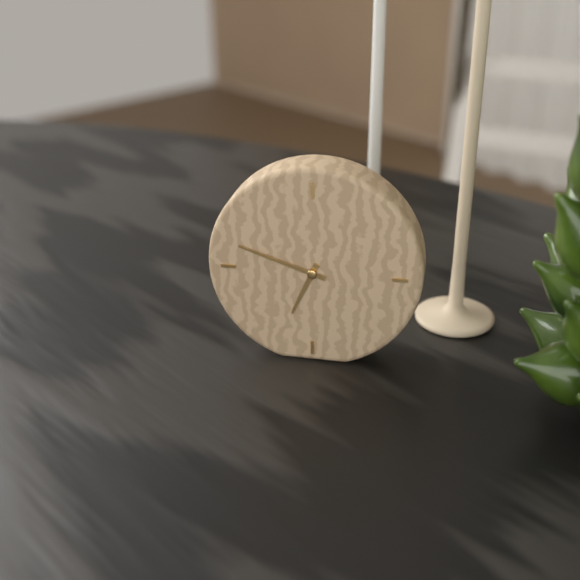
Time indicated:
{"hour": 6, "minute": 48}
